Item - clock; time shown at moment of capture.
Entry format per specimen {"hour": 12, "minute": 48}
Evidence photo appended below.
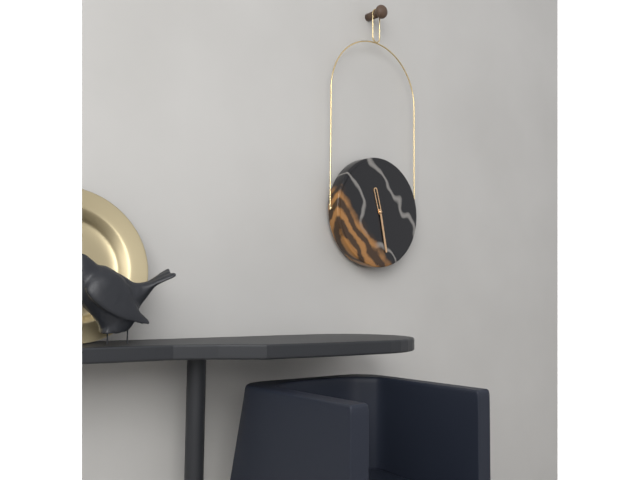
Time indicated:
{"hour": 11, "minute": 28}
